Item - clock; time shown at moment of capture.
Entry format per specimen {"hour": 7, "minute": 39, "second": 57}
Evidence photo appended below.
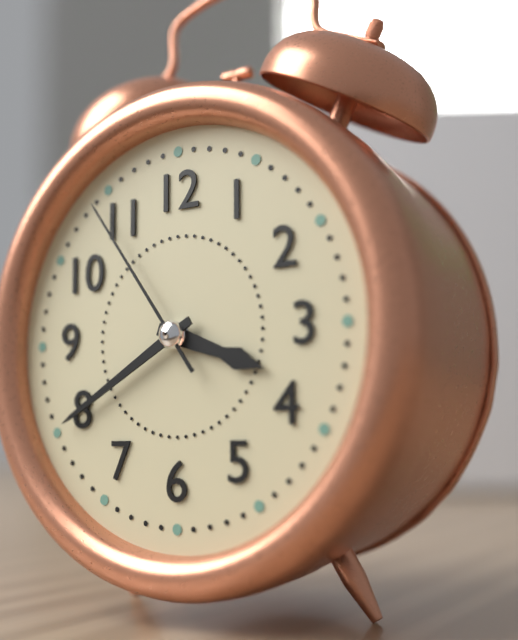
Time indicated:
{"hour": 3, "minute": 40, "second": 54}
